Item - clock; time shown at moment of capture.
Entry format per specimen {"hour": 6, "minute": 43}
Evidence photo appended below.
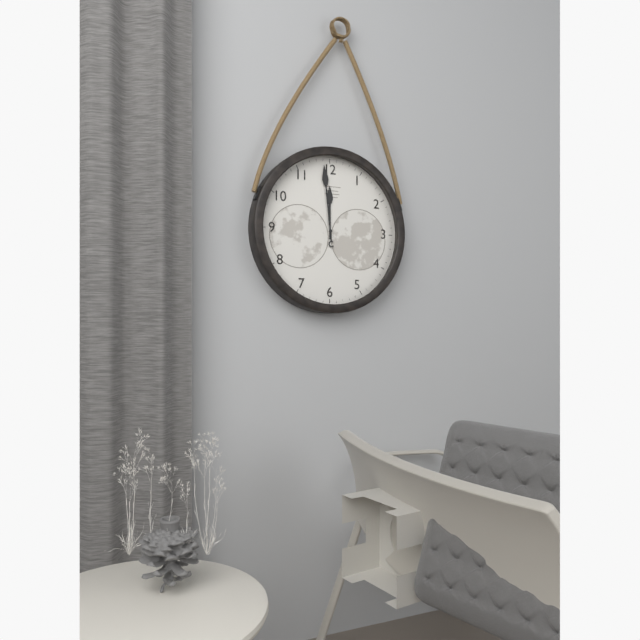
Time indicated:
{"hour": 11, "minute": 59}
